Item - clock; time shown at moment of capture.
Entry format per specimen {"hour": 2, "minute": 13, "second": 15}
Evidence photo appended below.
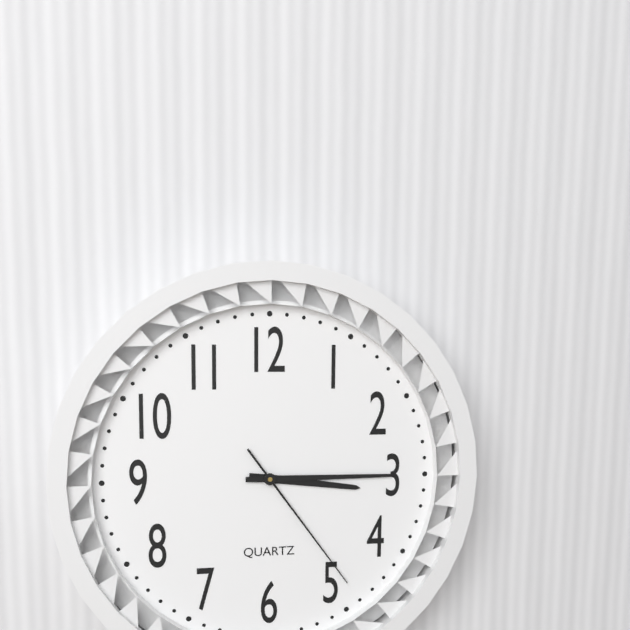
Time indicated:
{"hour": 3, "minute": 15, "second": 24}
